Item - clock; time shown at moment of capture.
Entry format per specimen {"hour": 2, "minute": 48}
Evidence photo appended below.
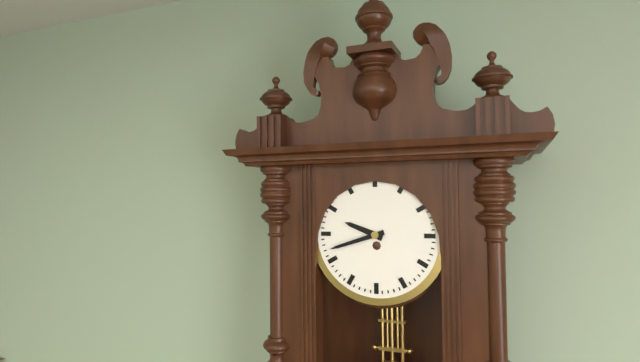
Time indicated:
{"hour": 9, "minute": 42}
